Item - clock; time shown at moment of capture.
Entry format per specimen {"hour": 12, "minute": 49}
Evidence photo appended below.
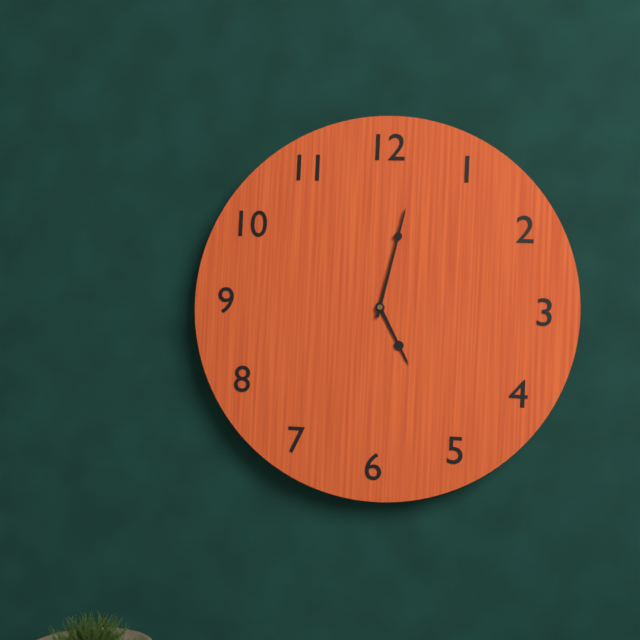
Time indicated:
{"hour": 5, "minute": 2}
